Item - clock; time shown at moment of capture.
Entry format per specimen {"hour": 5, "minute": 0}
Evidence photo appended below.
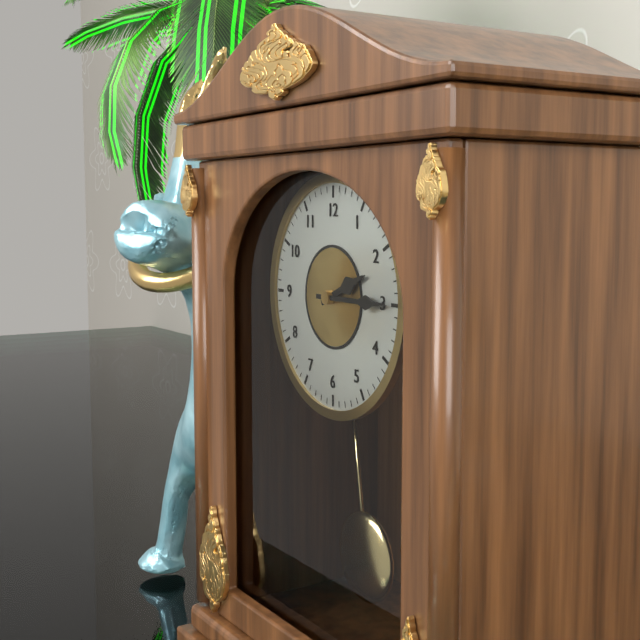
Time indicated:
{"hour": 2, "minute": 15}
